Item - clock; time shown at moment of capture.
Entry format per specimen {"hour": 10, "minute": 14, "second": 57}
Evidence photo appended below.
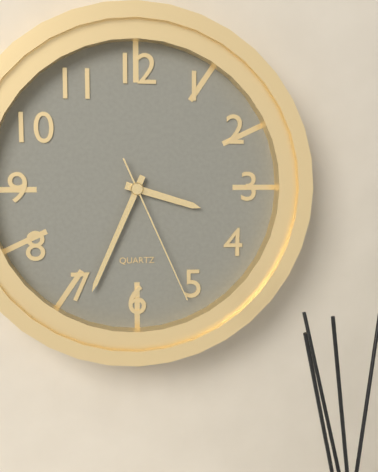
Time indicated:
{"hour": 3, "minute": 34, "second": 26}
